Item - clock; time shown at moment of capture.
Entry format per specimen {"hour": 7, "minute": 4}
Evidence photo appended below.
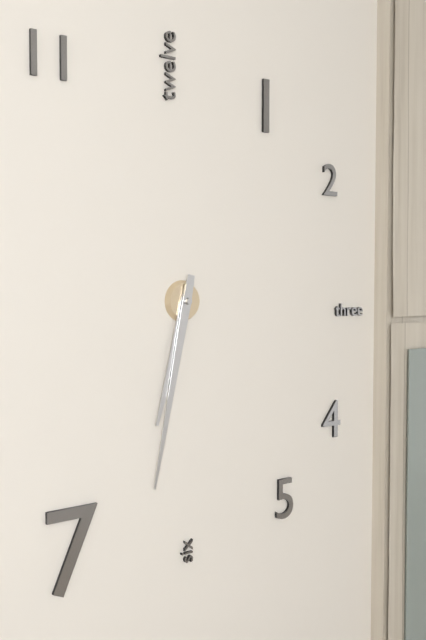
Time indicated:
{"hour": 6, "minute": 32}
